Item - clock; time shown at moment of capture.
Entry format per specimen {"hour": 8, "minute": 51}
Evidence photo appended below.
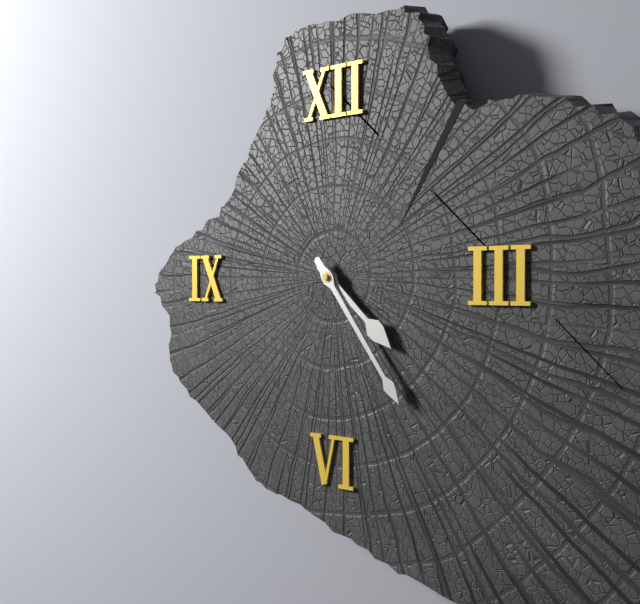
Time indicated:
{"hour": 4, "minute": 24}
